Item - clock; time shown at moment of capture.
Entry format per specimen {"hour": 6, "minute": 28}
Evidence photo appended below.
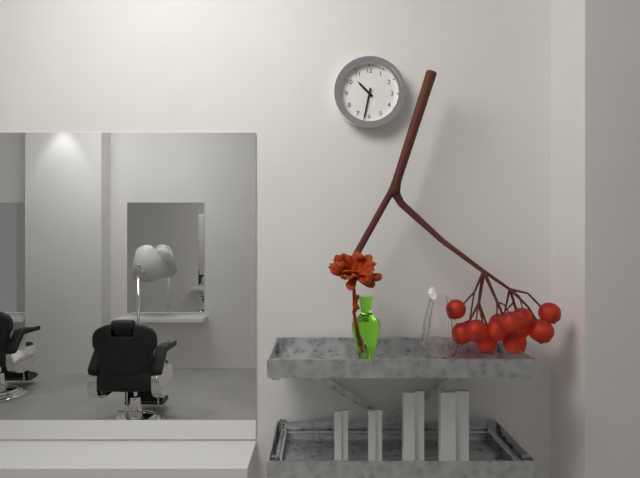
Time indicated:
{"hour": 10, "minute": 32}
